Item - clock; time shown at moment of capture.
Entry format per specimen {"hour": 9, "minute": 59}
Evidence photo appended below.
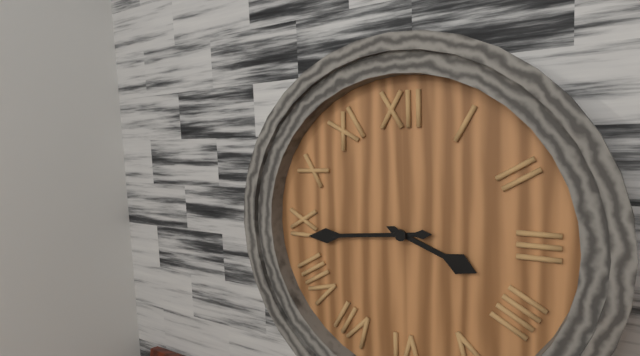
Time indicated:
{"hour": 3, "minute": 44}
